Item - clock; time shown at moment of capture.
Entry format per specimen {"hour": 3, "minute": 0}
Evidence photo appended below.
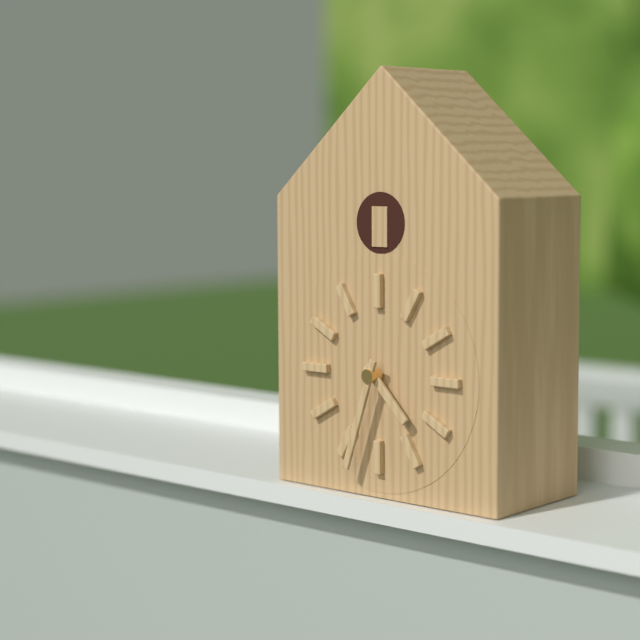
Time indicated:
{"hour": 4, "minute": 33}
